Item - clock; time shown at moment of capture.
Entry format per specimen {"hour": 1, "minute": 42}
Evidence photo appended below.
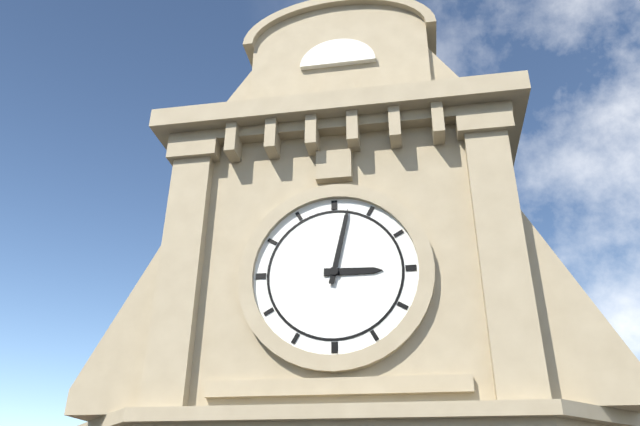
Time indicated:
{"hour": 3, "minute": 2}
